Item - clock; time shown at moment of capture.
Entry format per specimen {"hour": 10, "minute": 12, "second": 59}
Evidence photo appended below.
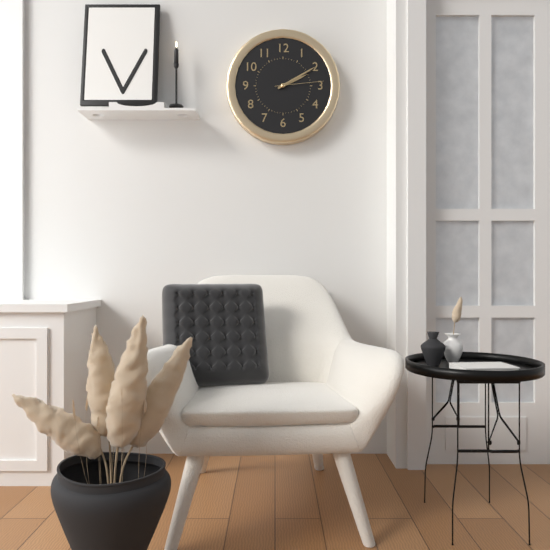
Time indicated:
{"hour": 2, "minute": 10, "second": 14}
